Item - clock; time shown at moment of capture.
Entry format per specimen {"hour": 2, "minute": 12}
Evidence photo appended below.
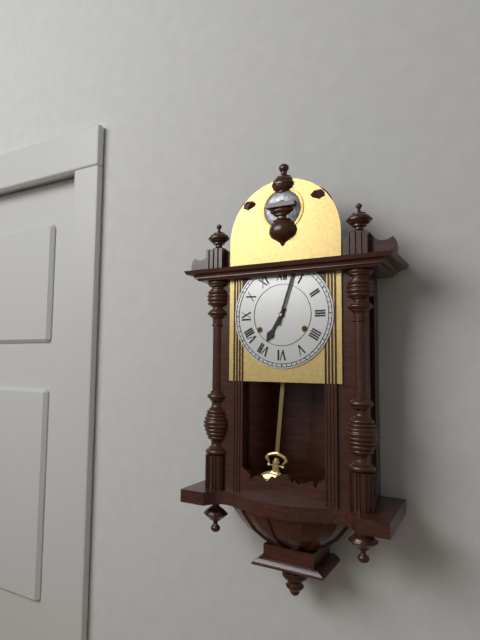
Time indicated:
{"hour": 7, "minute": 3}
